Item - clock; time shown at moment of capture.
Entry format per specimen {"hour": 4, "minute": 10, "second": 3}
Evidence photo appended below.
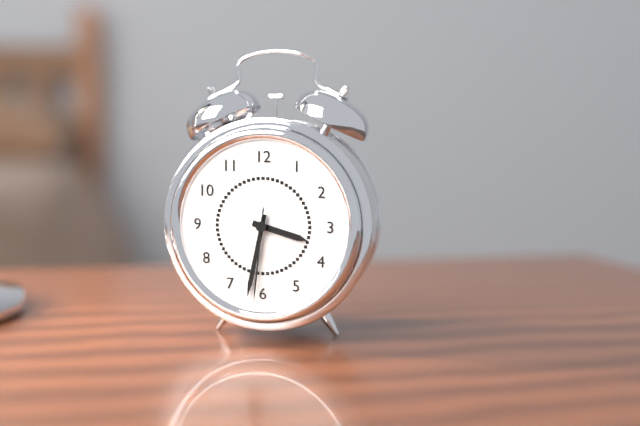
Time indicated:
{"hour": 3, "minute": 32, "second": 31}
